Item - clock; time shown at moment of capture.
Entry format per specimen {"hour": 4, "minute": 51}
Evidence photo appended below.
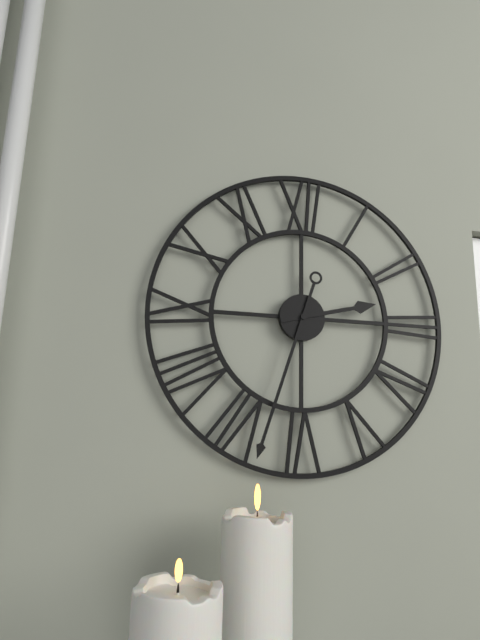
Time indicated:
{"hour": 2, "minute": 33}
